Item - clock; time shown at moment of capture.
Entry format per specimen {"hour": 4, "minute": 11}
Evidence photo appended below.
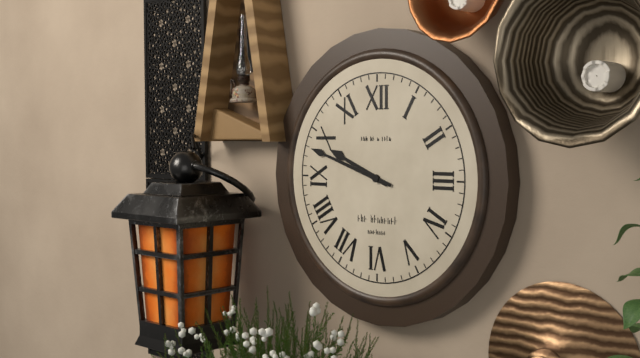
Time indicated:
{"hour": 9, "minute": 48}
